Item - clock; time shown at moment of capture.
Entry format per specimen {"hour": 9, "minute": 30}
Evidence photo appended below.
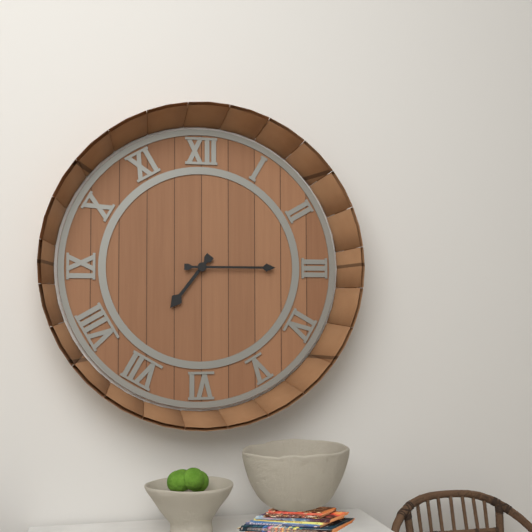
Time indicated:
{"hour": 7, "minute": 15}
